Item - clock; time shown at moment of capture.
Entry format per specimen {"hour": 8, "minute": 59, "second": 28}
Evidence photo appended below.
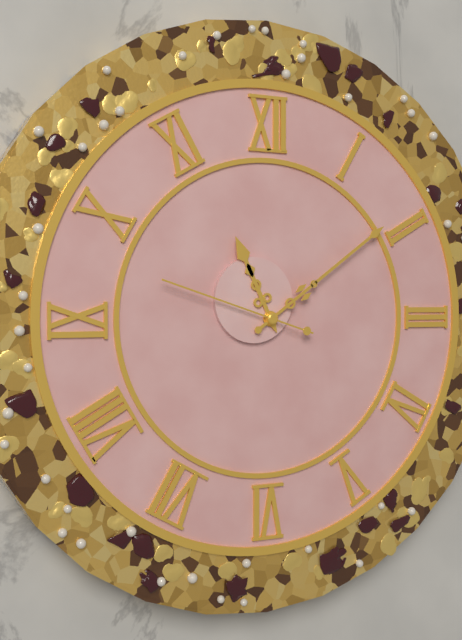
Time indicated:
{"hour": 11, "minute": 9, "second": 48}
